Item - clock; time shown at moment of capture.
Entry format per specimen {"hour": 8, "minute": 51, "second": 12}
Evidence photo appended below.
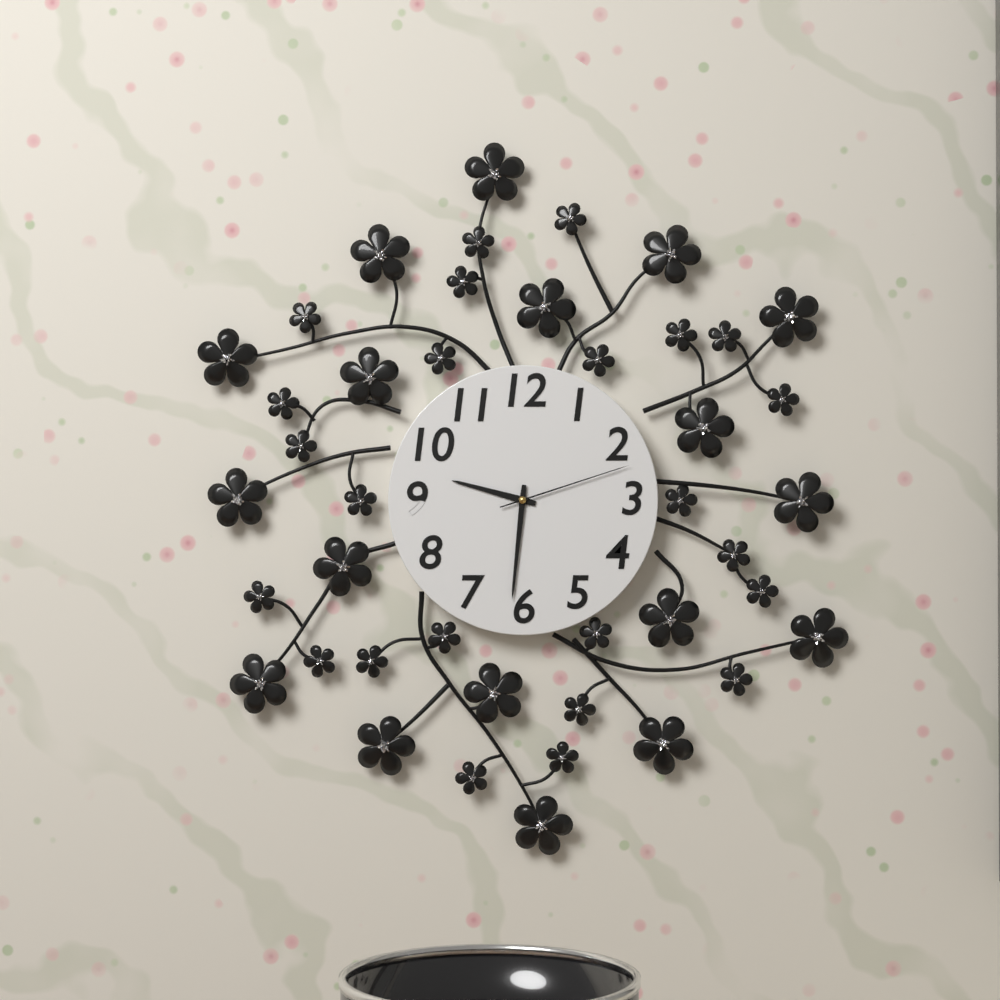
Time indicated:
{"hour": 9, "minute": 31, "second": 12}
